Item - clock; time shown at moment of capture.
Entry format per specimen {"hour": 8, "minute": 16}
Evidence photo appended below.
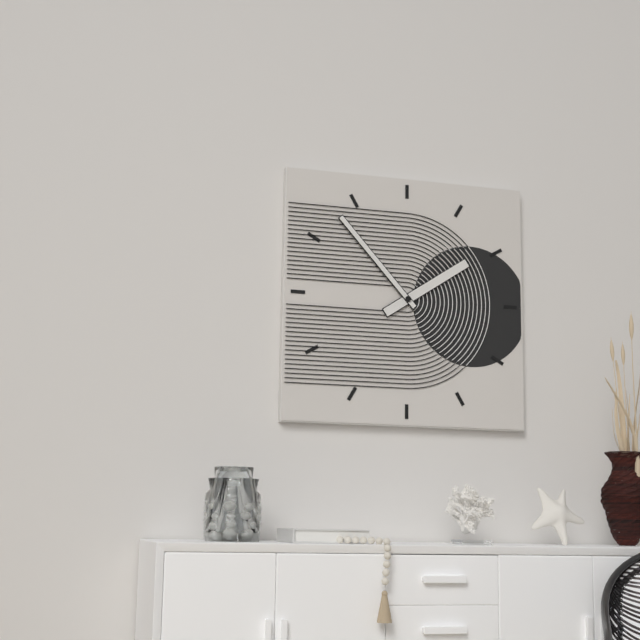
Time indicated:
{"hour": 1, "minute": 53}
